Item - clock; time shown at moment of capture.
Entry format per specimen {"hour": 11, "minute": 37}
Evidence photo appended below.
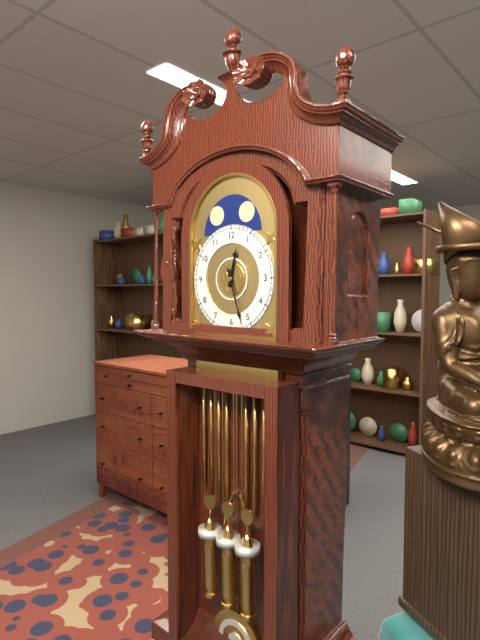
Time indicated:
{"hour": 12, "minute": 27}
